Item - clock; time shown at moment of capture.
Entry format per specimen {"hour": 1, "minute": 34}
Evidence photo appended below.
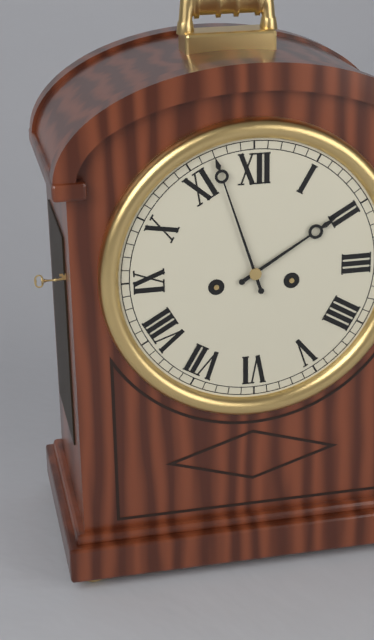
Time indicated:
{"hour": 1, "minute": 57}
